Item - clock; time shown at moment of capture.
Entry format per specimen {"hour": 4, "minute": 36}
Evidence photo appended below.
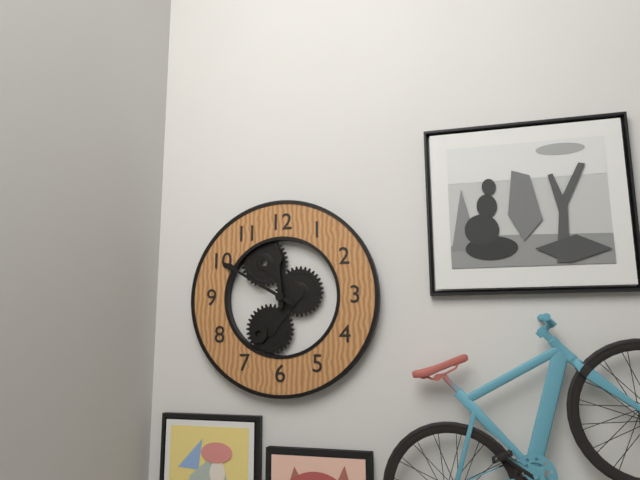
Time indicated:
{"hour": 11, "minute": 50}
